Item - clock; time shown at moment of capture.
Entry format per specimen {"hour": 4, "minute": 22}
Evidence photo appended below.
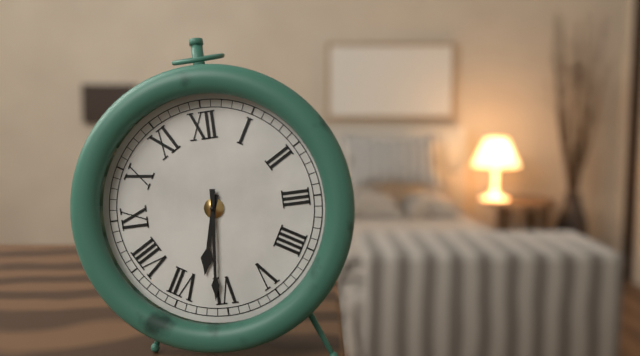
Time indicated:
{"hour": 6, "minute": 31}
